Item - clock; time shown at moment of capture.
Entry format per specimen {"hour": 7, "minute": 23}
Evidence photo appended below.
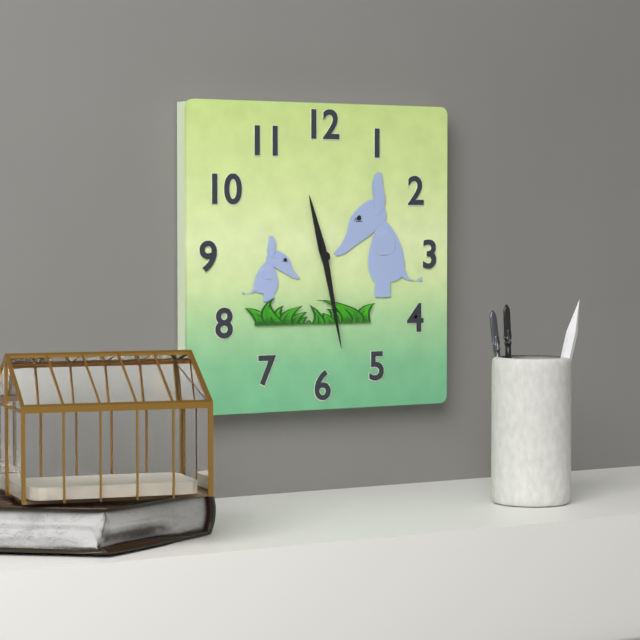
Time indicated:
{"hour": 11, "minute": 28}
